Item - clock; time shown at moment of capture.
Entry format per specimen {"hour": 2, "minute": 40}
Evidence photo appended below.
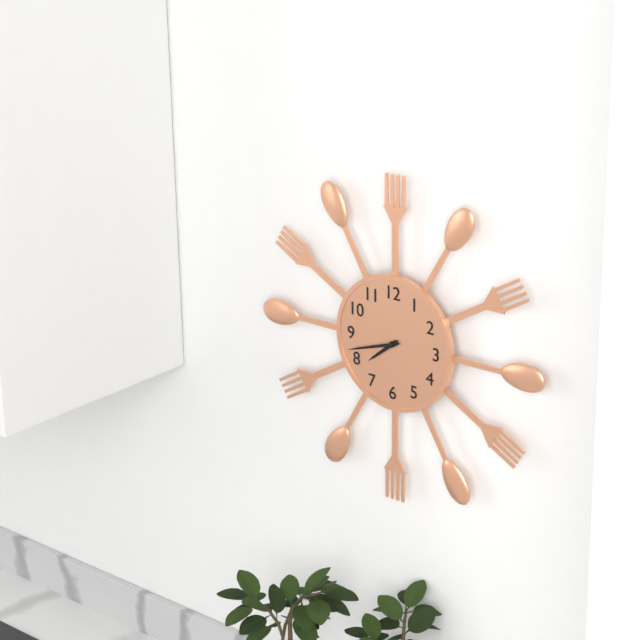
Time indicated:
{"hour": 7, "minute": 42}
